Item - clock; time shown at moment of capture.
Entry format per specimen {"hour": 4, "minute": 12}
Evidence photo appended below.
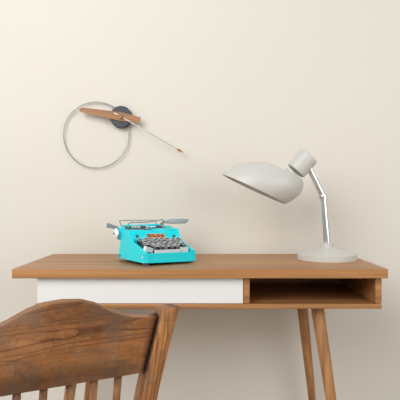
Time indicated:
{"hour": 9, "minute": 20}
